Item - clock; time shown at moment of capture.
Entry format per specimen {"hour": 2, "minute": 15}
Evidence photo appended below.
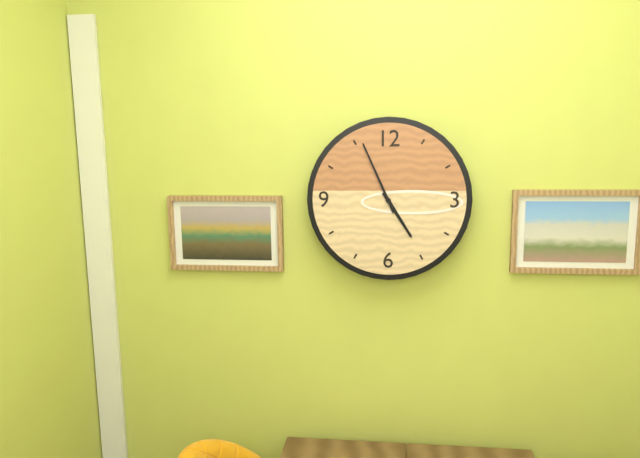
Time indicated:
{"hour": 4, "minute": 56}
